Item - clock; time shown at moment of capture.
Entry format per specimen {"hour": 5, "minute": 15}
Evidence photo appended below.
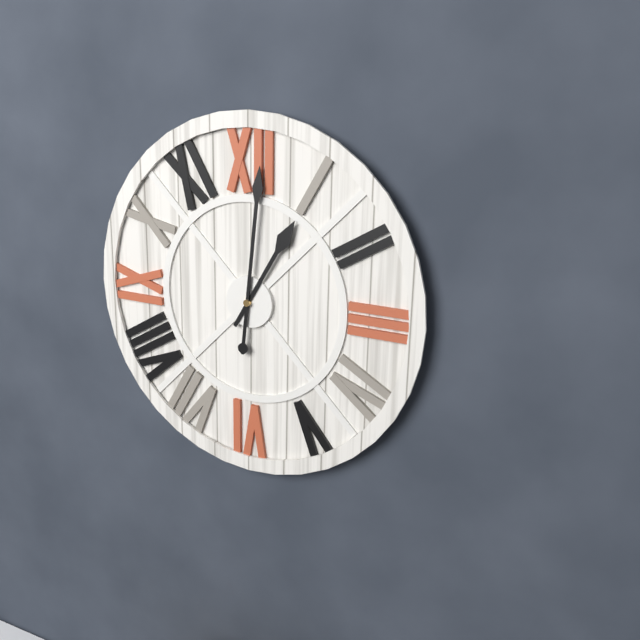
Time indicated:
{"hour": 1, "minute": 1}
